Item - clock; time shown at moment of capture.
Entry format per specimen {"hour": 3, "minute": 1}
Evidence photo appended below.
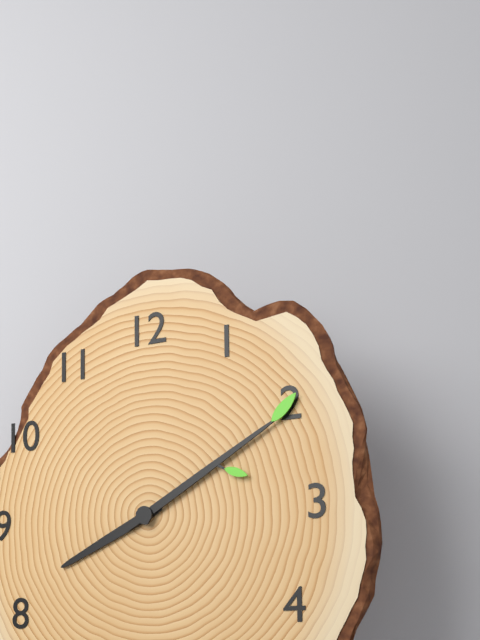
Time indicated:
{"hour": 8, "minute": 10}
